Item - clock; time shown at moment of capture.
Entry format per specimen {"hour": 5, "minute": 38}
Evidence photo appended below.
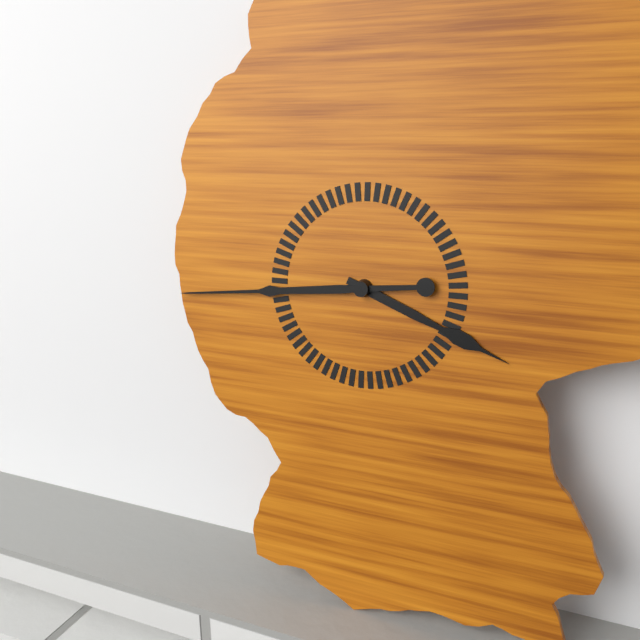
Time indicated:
{"hour": 3, "minute": 44}
